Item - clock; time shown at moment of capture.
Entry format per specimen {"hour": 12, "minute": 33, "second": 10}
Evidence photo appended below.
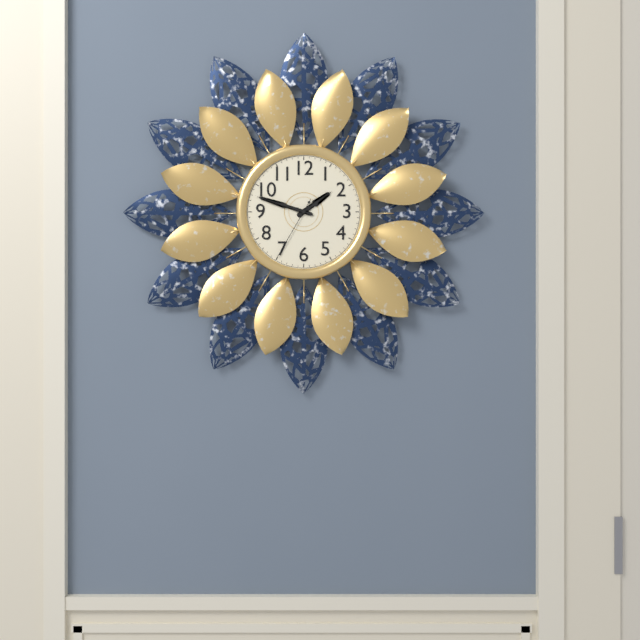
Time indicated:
{"hour": 1, "minute": 48, "second": 35}
